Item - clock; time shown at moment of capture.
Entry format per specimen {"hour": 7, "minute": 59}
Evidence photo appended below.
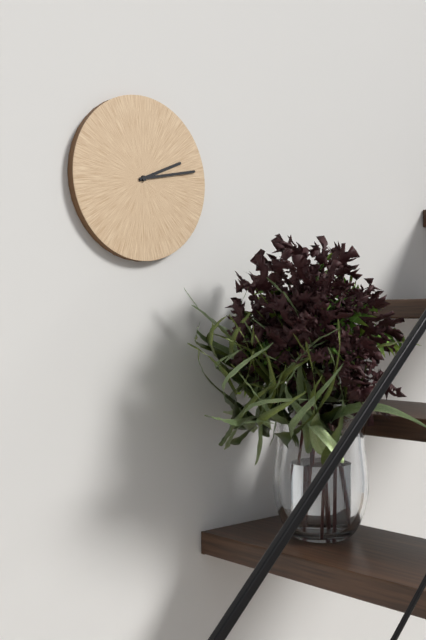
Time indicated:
{"hour": 2, "minute": 13}
